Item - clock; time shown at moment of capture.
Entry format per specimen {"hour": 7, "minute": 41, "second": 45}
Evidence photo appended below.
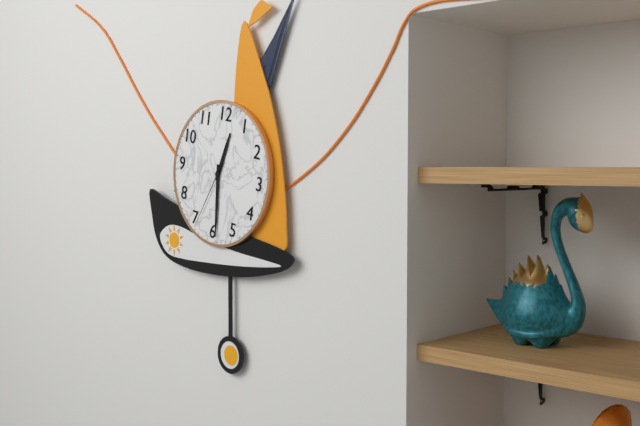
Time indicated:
{"hour": 12, "minute": 29, "second": 34}
